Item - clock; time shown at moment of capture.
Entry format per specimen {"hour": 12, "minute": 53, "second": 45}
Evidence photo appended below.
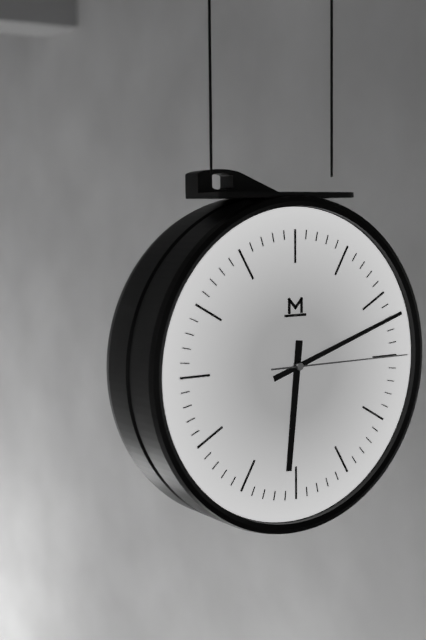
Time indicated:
{"hour": 6, "minute": 12, "second": 15}
